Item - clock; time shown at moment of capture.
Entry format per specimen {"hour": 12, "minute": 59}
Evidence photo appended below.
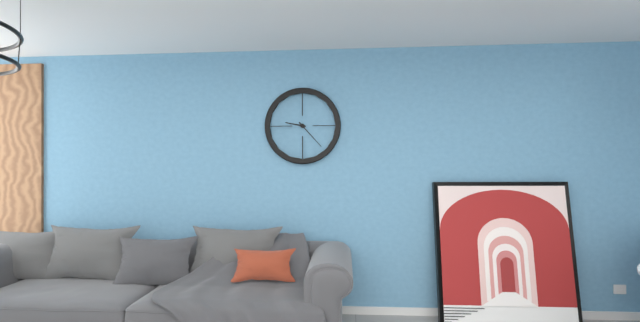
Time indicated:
{"hour": 9, "minute": 23}
